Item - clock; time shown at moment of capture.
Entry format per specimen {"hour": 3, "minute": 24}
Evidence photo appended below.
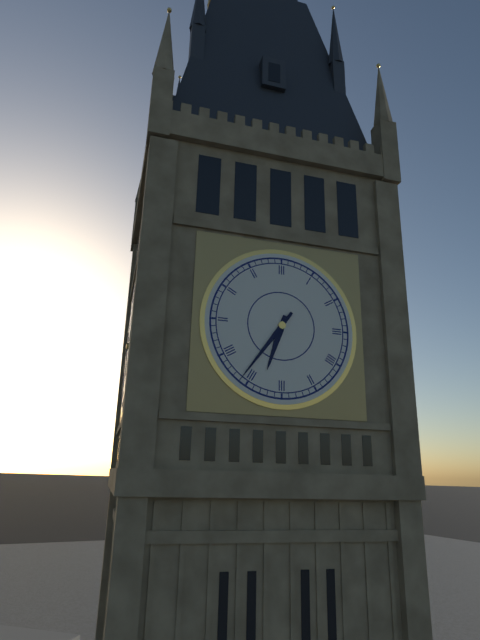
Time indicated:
{"hour": 6, "minute": 36}
